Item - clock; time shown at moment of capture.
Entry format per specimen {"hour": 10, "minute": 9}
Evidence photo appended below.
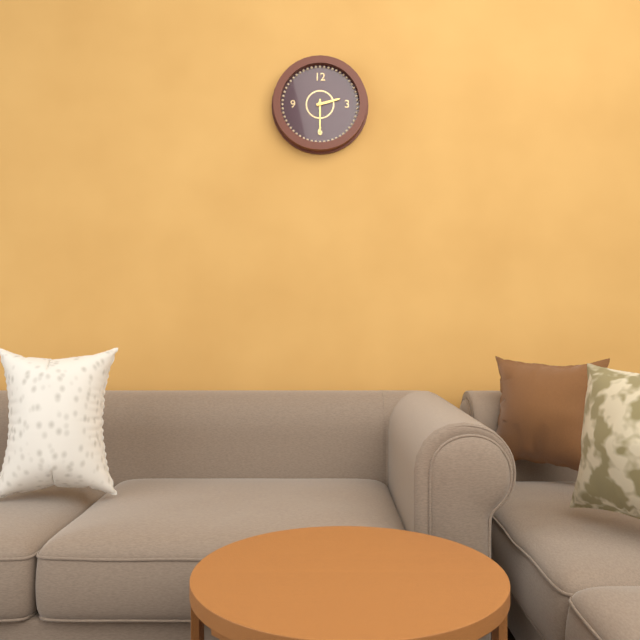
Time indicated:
{"hour": 2, "minute": 30}
